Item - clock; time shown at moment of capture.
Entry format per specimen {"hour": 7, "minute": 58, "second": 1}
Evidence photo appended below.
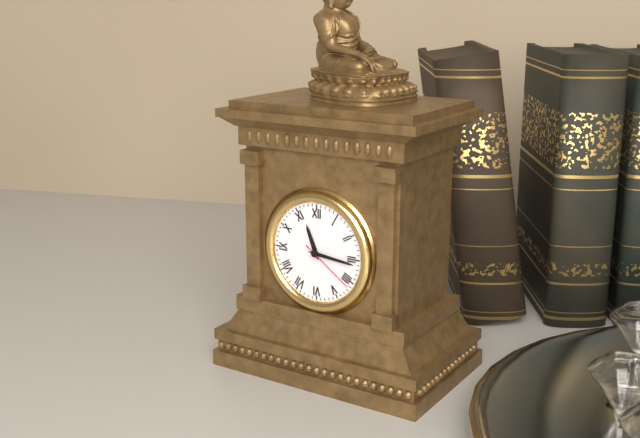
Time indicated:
{"hour": 11, "minute": 16, "second": 21}
